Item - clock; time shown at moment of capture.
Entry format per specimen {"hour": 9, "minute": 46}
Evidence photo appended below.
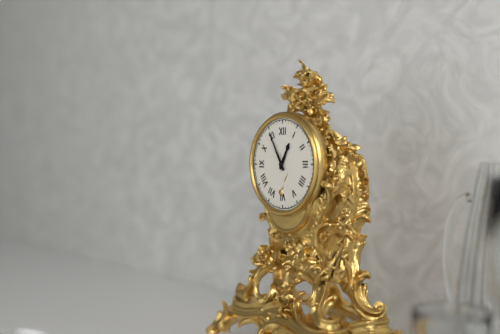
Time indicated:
{"hour": 12, "minute": 55}
